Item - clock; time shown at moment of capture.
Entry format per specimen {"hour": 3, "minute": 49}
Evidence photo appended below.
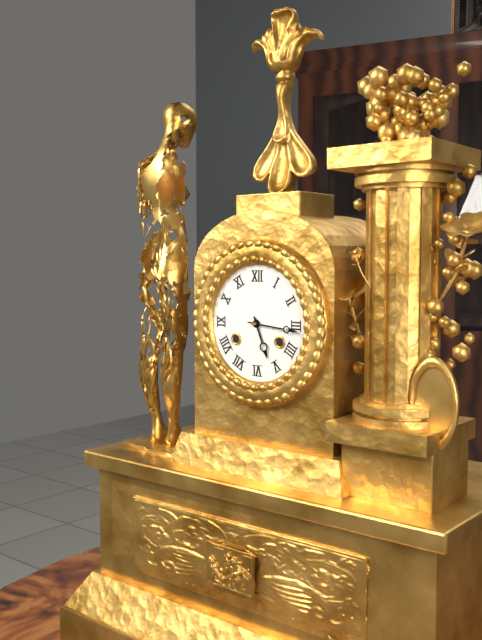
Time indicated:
{"hour": 5, "minute": 16}
